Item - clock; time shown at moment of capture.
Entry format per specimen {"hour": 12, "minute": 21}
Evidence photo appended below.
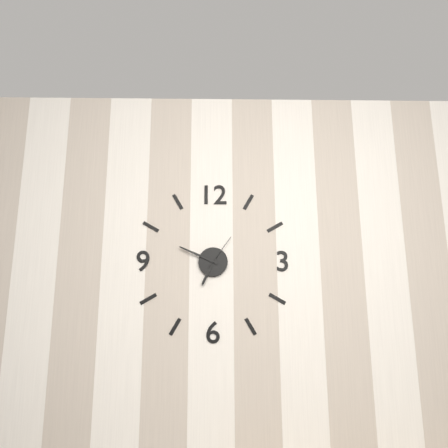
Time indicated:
{"hour": 6, "minute": 49}
